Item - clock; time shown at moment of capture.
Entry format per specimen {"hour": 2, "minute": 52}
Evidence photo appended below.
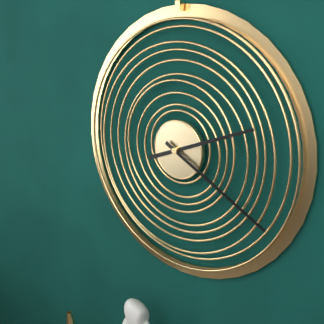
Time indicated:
{"hour": 2, "minute": 20}
